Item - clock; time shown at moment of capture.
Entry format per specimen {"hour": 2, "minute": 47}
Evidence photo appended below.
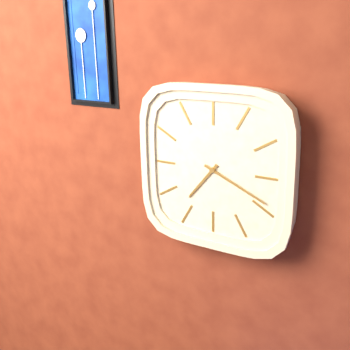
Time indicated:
{"hour": 7, "minute": 19}
